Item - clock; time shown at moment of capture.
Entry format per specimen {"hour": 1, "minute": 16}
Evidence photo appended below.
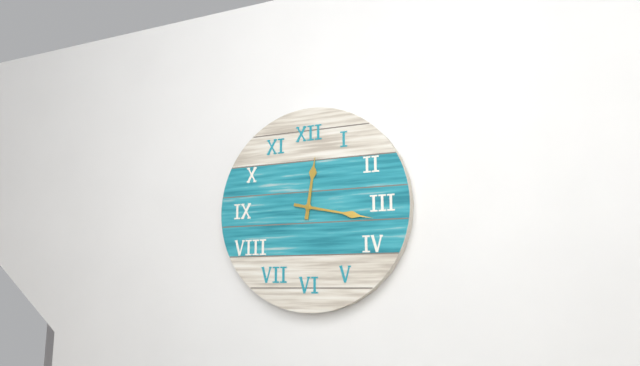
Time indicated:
{"hour": 12, "minute": 17}
